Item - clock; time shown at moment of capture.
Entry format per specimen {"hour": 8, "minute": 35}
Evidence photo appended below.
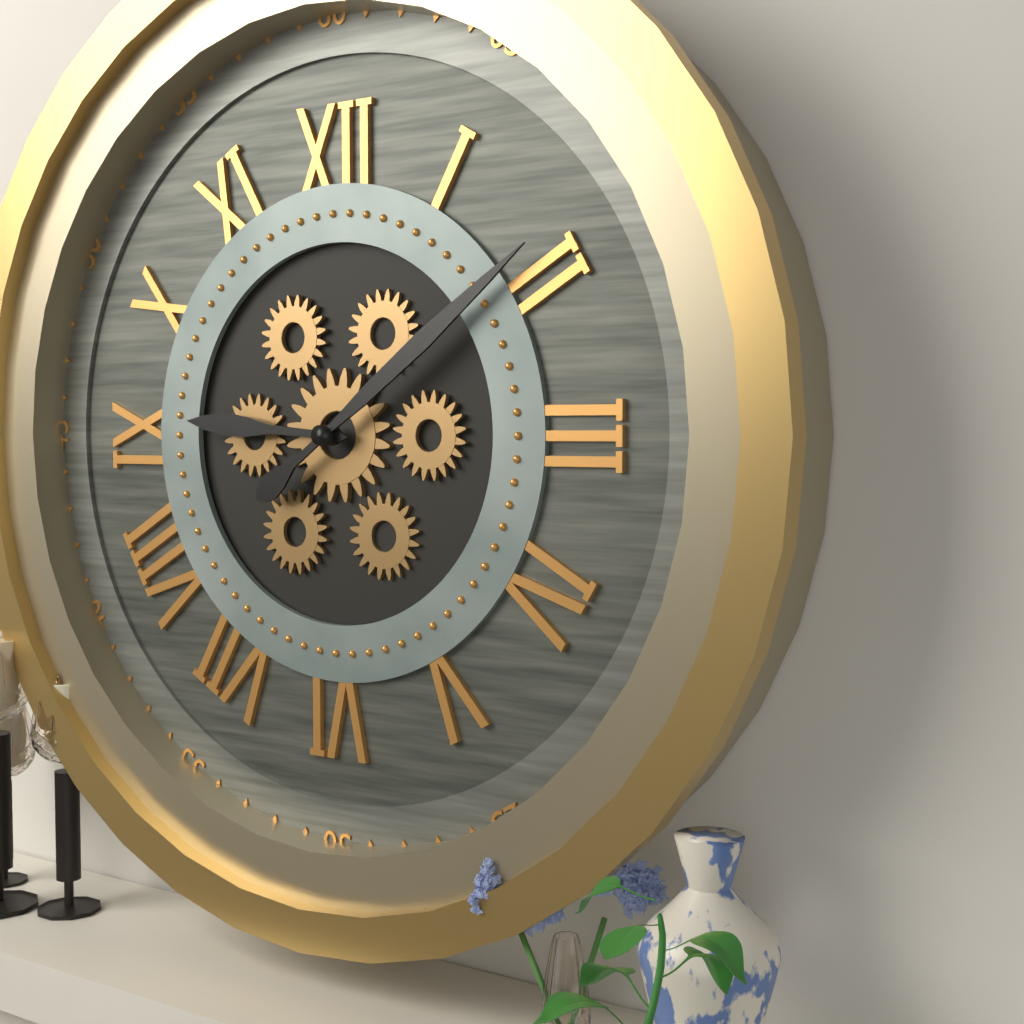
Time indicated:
{"hour": 9, "minute": 9}
